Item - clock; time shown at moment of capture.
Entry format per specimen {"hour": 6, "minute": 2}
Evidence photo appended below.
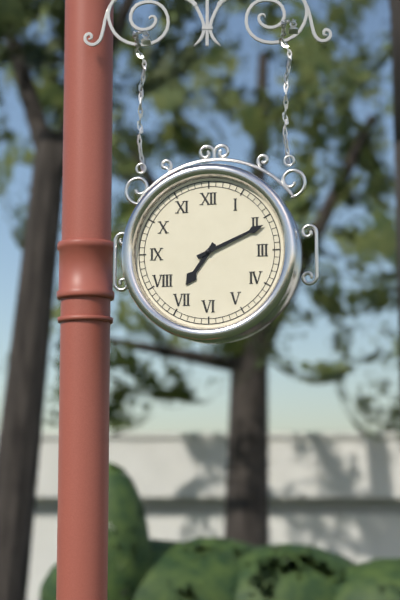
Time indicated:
{"hour": 7, "minute": 11}
